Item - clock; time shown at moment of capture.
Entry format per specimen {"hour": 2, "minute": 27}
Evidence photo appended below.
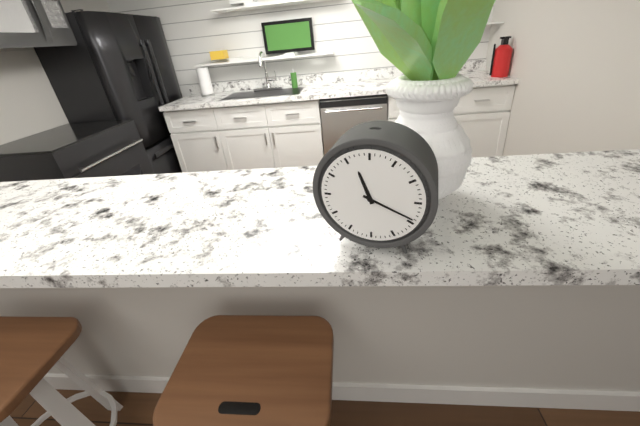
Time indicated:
{"hour": 11, "minute": 19}
